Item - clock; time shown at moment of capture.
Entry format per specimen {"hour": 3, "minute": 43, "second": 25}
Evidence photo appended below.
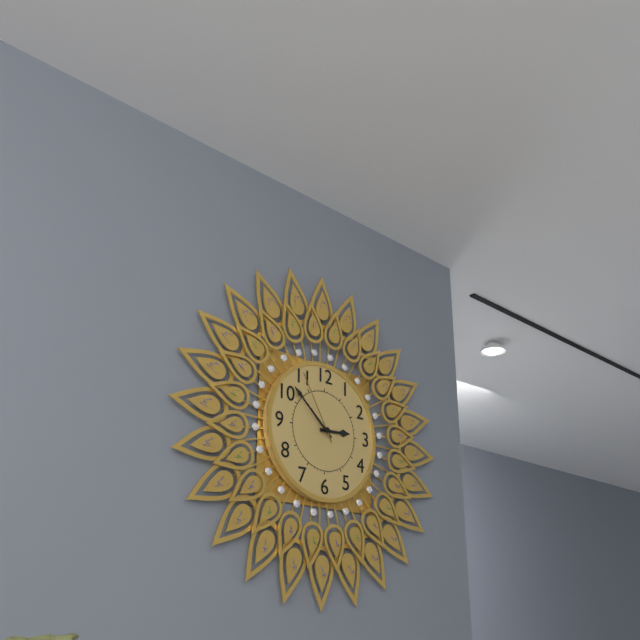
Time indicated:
{"hour": 2, "minute": 52, "second": 55}
